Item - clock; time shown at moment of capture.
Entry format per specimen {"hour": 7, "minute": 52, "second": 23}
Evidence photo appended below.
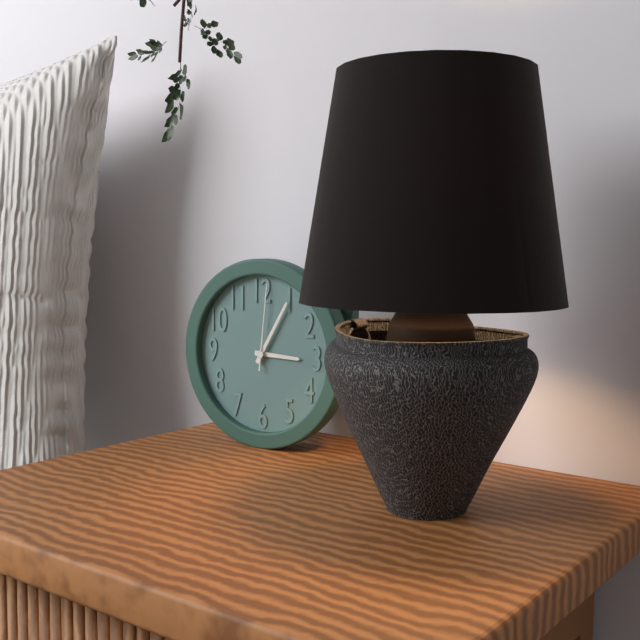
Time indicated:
{"hour": 3, "minute": 5, "second": 1}
